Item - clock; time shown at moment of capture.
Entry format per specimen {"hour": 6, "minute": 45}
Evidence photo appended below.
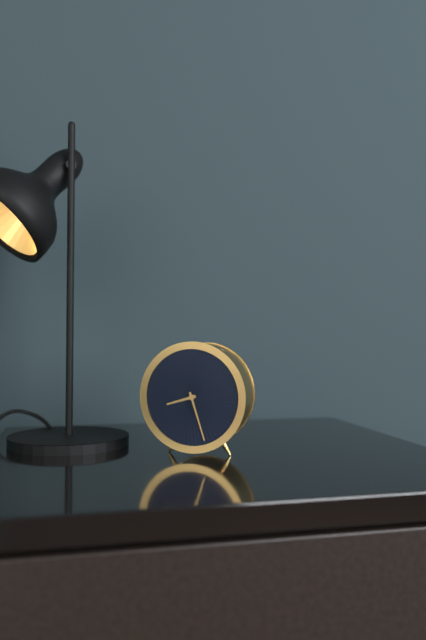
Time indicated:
{"hour": 8, "minute": 27}
